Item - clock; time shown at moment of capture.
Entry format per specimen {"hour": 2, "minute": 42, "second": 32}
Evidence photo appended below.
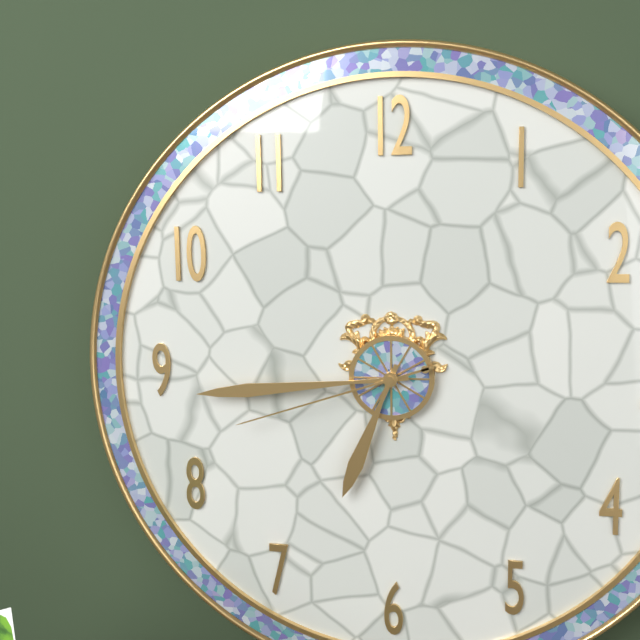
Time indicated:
{"hour": 6, "minute": 44, "second": 42}
